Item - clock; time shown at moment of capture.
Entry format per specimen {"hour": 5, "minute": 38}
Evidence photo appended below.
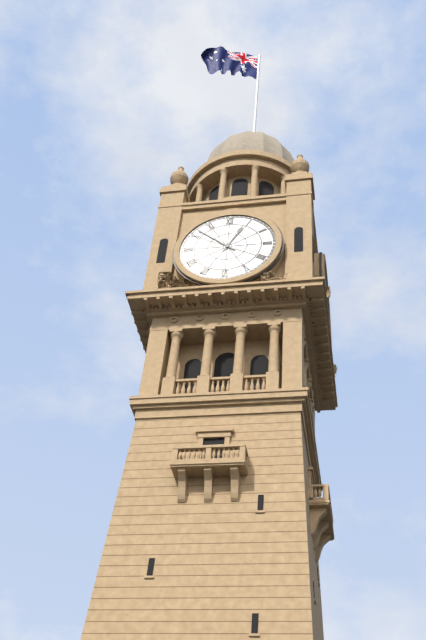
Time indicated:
{"hour": 12, "minute": 52}
